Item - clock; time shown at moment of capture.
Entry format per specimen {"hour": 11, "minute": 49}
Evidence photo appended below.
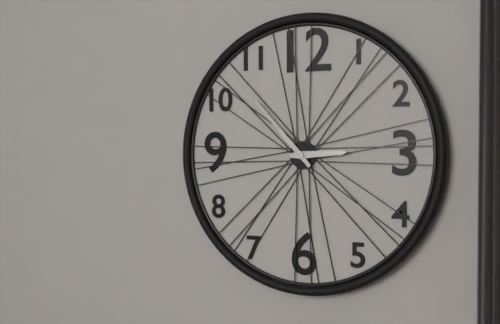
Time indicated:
{"hour": 2, "minute": 53}
